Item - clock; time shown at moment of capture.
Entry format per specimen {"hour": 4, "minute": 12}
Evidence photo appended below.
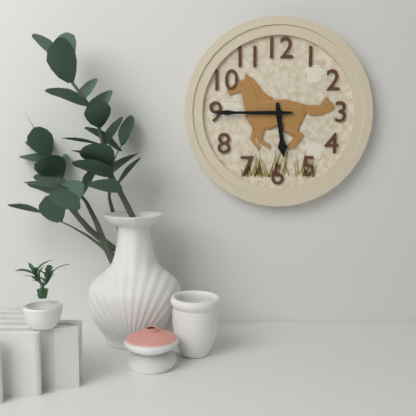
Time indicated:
{"hour": 5, "minute": 45}
